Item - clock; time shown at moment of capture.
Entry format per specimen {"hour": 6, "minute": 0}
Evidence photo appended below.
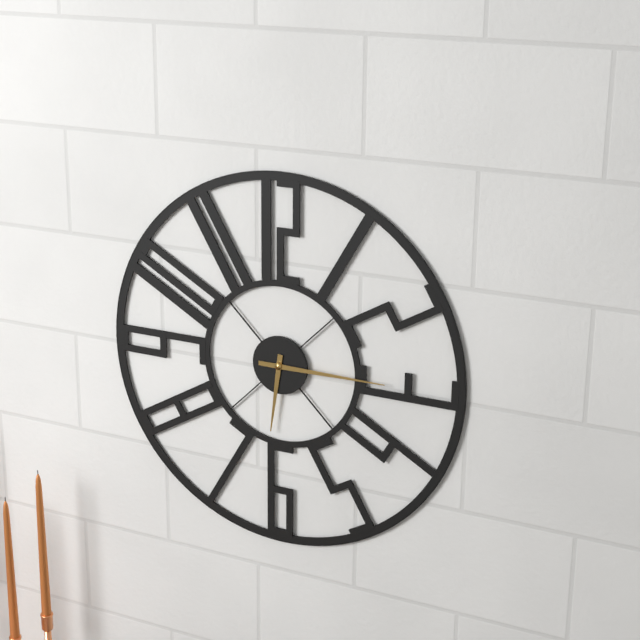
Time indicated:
{"hour": 6, "minute": 15}
